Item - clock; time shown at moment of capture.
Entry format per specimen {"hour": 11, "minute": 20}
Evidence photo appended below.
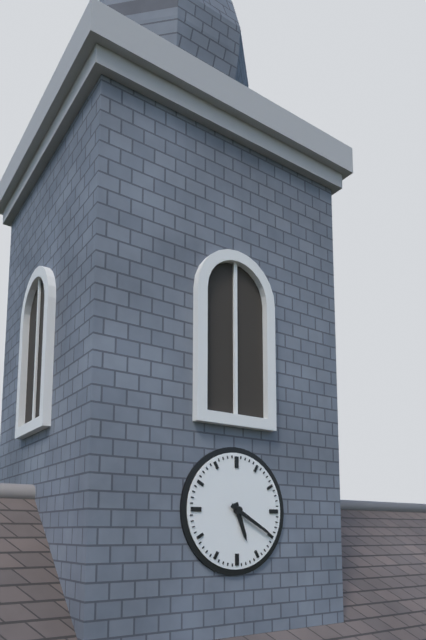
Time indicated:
{"hour": 5, "minute": 20}
